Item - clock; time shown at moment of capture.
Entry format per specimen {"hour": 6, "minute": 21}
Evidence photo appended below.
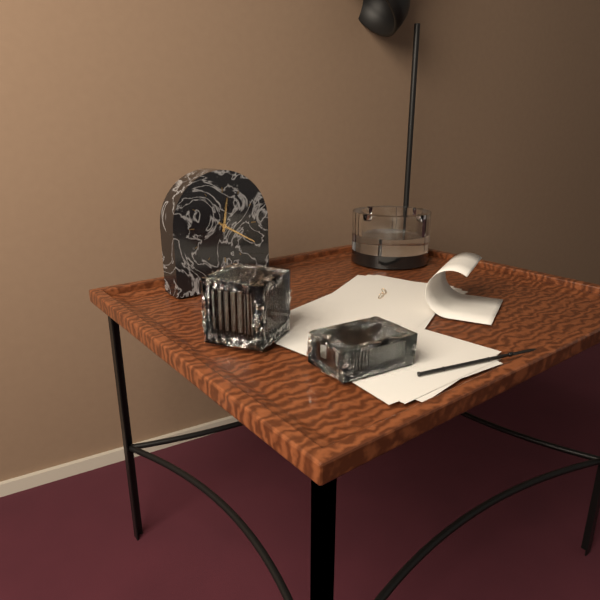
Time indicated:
{"hour": 12, "minute": 20}
